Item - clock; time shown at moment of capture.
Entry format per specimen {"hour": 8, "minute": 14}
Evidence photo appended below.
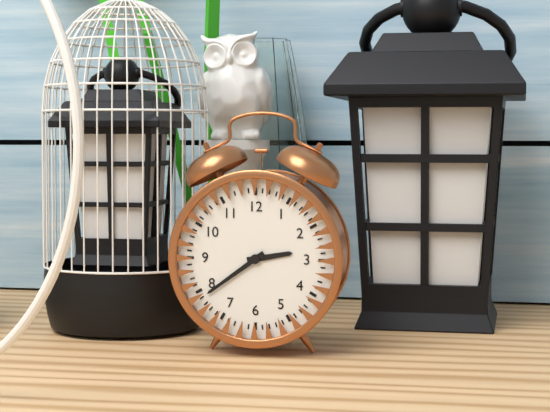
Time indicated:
{"hour": 2, "minute": 39}
